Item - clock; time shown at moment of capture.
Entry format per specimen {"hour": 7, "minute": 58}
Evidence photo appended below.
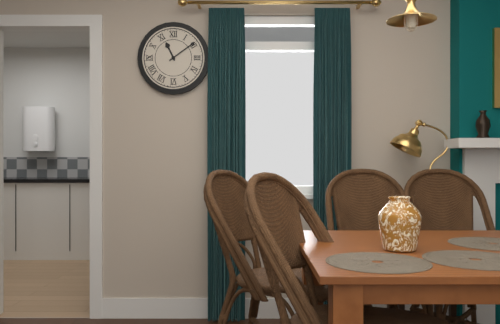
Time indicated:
{"hour": 11, "minute": 9}
